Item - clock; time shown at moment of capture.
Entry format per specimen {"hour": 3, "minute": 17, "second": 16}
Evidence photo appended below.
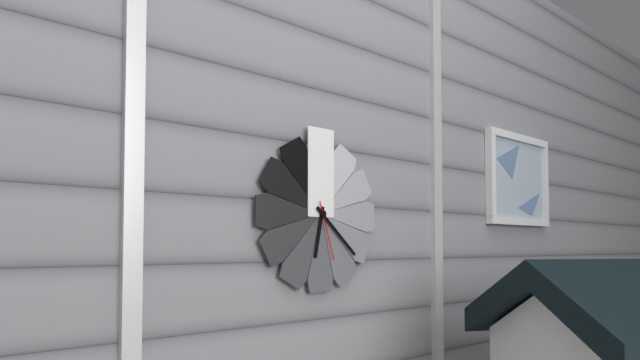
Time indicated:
{"hour": 6, "minute": 22, "second": 27}
